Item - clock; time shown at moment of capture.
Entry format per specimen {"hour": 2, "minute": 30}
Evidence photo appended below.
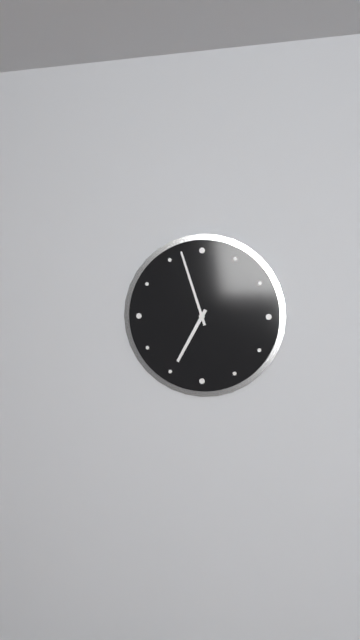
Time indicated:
{"hour": 6, "minute": 57}
